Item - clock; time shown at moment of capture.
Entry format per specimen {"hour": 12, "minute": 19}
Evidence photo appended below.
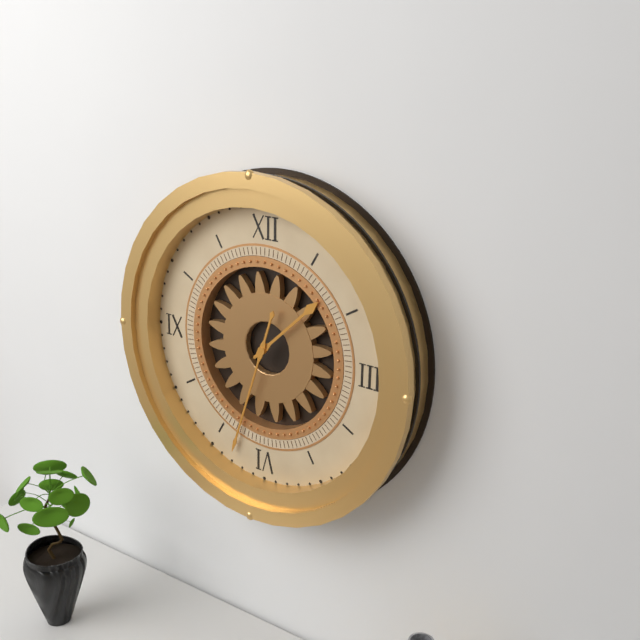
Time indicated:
{"hour": 1, "minute": 33}
